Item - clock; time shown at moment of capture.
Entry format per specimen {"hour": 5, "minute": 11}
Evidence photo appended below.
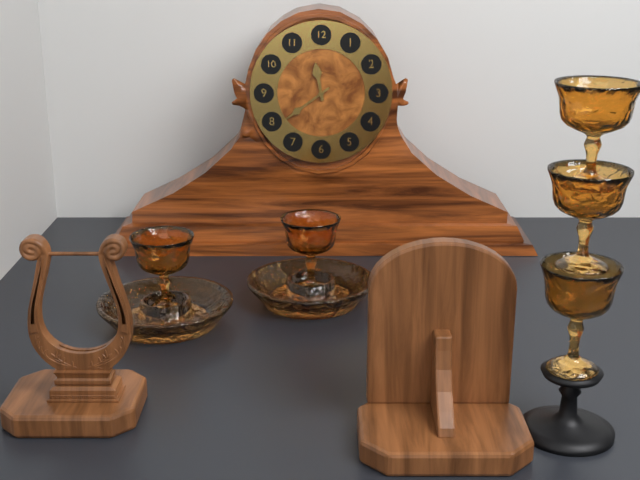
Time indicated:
{"hour": 11, "minute": 39}
